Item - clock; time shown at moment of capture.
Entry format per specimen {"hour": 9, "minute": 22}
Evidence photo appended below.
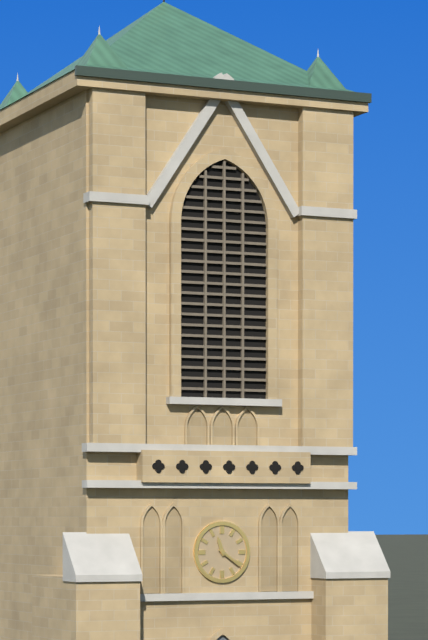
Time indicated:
{"hour": 11, "minute": 21}
